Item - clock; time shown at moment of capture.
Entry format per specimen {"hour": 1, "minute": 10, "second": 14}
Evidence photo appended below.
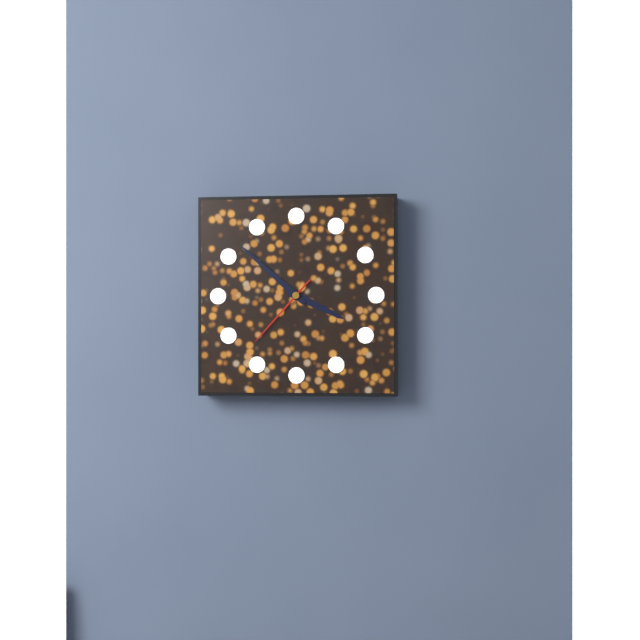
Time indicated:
{"hour": 3, "minute": 52, "second": 37}
